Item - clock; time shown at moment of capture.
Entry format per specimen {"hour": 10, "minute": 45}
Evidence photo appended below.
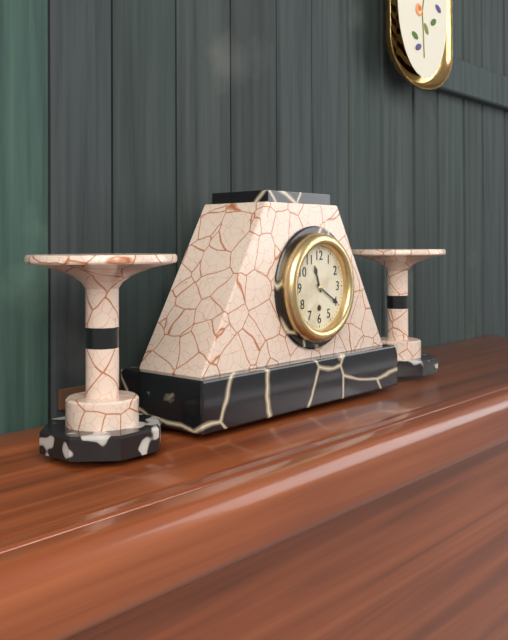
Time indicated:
{"hour": 11, "minute": 20}
